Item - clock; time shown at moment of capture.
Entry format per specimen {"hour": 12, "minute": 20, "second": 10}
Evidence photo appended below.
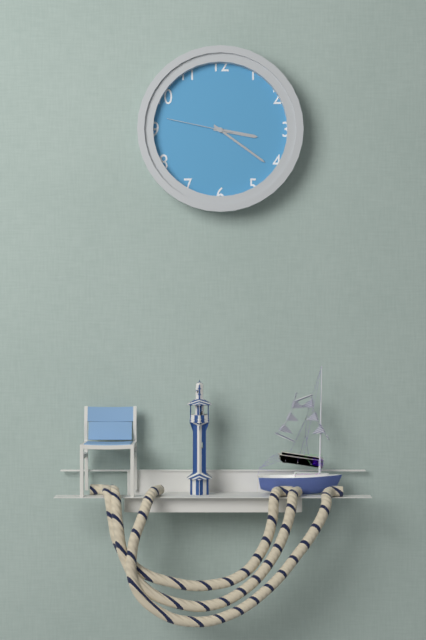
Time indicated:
{"hour": 3, "minute": 21, "second": 47}
